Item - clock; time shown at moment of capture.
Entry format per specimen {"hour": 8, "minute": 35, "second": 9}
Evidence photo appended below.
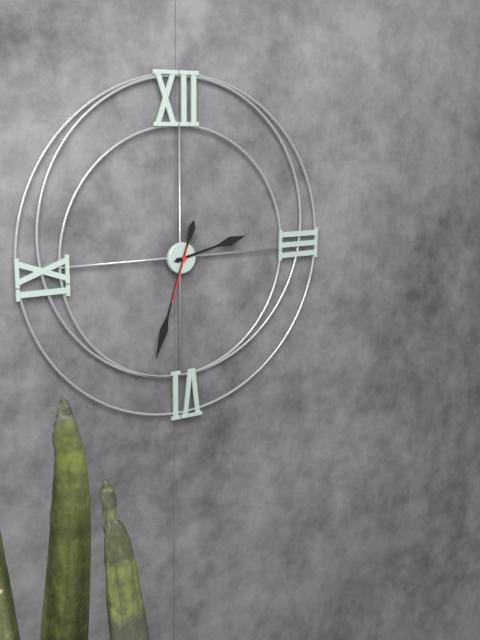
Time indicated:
{"hour": 2, "minute": 33, "second": 33}
